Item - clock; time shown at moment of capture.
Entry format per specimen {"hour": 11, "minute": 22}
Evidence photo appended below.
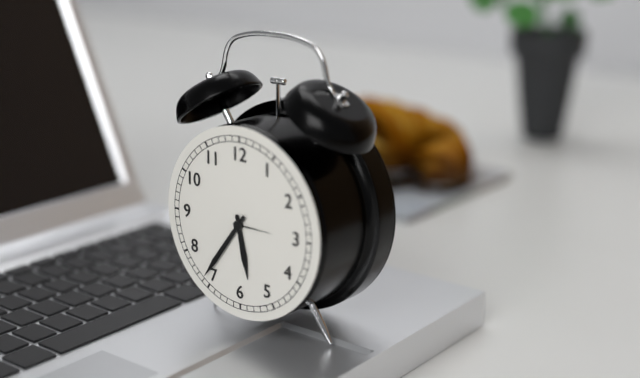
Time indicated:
{"hour": 5, "minute": 36}
